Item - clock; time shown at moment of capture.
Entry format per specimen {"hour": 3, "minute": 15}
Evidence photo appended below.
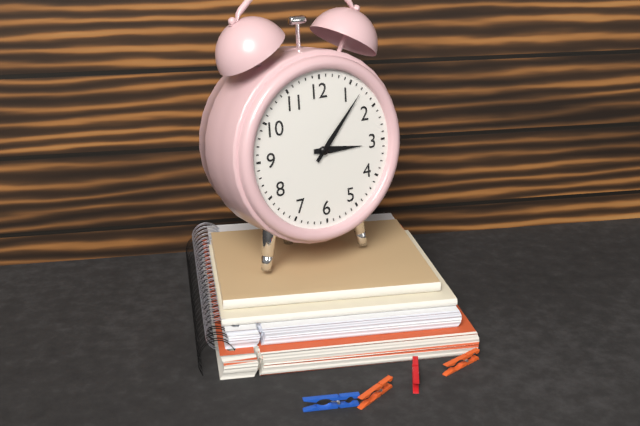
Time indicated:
{"hour": 3, "minute": 7}
